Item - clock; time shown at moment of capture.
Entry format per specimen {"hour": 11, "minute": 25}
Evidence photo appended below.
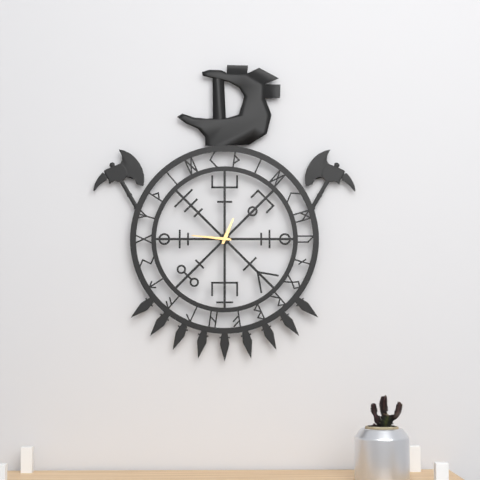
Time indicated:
{"hour": 12, "minute": 46}
